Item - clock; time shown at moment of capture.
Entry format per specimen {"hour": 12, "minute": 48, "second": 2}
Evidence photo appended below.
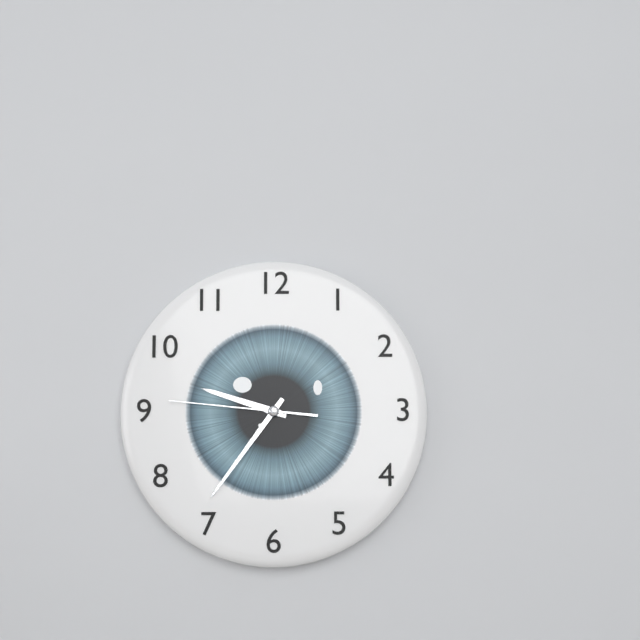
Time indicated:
{"hour": 9, "minute": 36, "second": 46}
